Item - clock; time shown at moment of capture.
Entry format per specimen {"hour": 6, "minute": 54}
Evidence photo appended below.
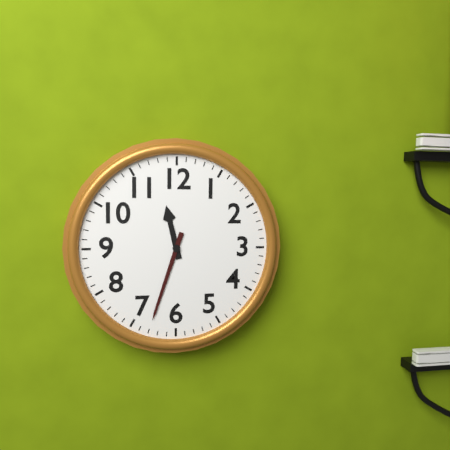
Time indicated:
{"hour": 11, "minute": 33}
